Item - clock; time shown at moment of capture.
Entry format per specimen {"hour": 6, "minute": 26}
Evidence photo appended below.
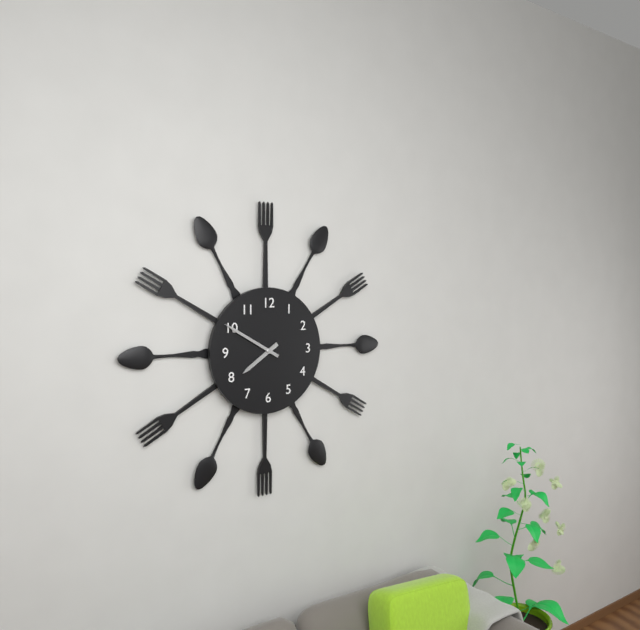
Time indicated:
{"hour": 7, "minute": 50}
